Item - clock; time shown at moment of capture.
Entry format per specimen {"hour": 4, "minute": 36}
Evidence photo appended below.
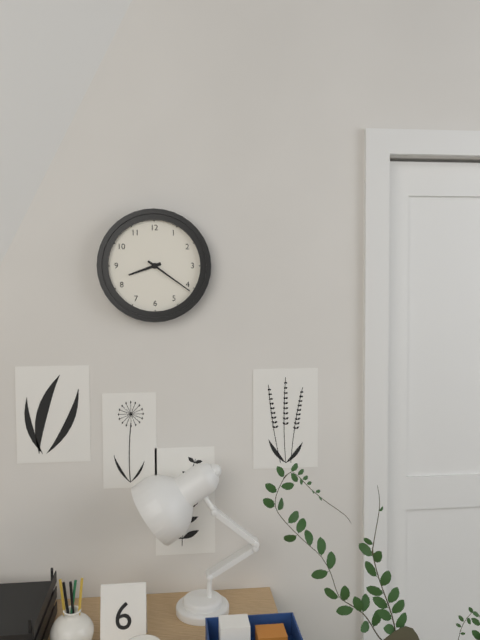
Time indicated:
{"hour": 8, "minute": 21}
